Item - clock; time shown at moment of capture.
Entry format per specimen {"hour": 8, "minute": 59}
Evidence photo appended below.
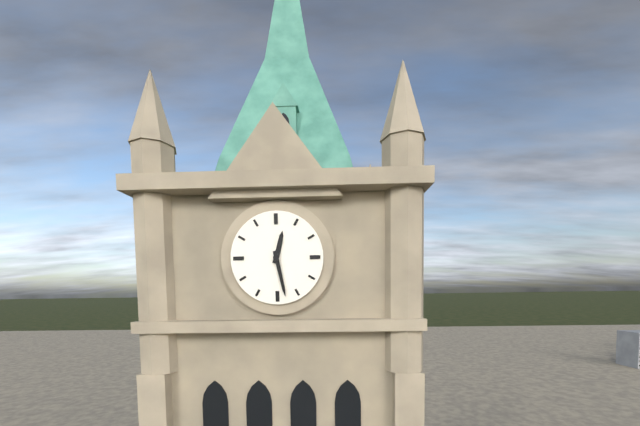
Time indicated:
{"hour": 12, "minute": 28}
